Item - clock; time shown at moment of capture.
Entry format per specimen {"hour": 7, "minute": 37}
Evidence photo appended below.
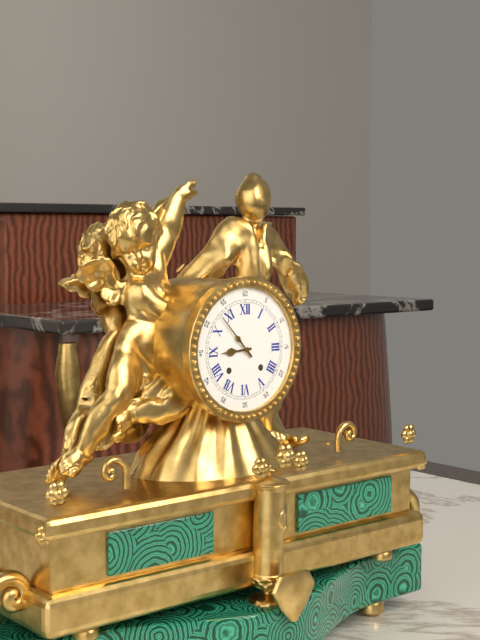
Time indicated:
{"hour": 8, "minute": 53}
